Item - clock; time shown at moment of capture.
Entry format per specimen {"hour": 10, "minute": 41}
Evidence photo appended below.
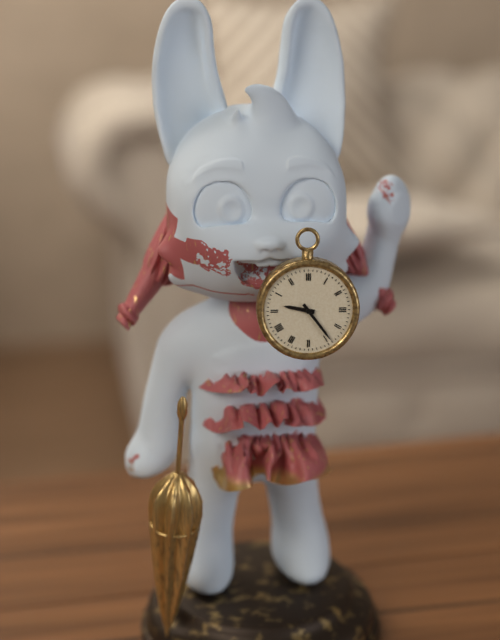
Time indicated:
{"hour": 9, "minute": 24}
